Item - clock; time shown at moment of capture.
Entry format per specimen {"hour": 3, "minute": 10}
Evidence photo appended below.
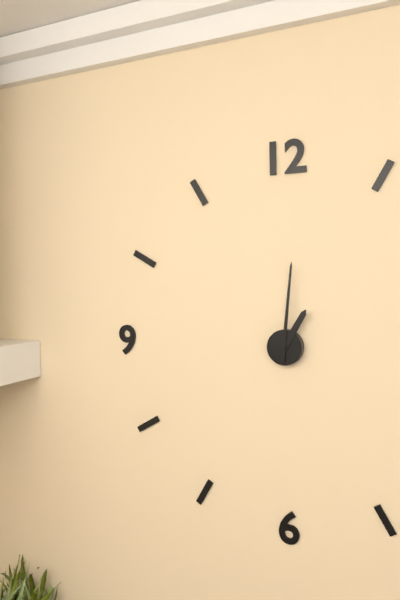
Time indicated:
{"hour": 1, "minute": 1}
